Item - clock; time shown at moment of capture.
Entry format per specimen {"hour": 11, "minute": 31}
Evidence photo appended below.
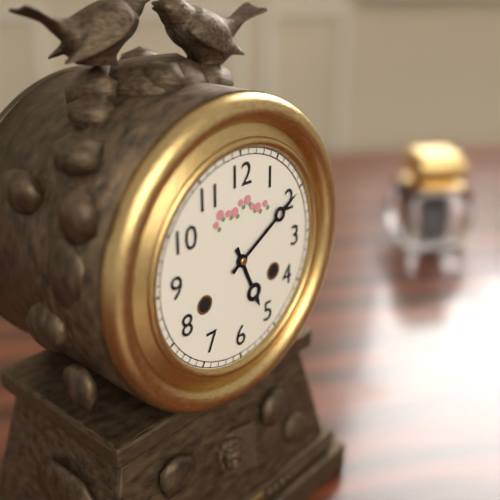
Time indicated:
{"hour": 5, "minute": 10}
